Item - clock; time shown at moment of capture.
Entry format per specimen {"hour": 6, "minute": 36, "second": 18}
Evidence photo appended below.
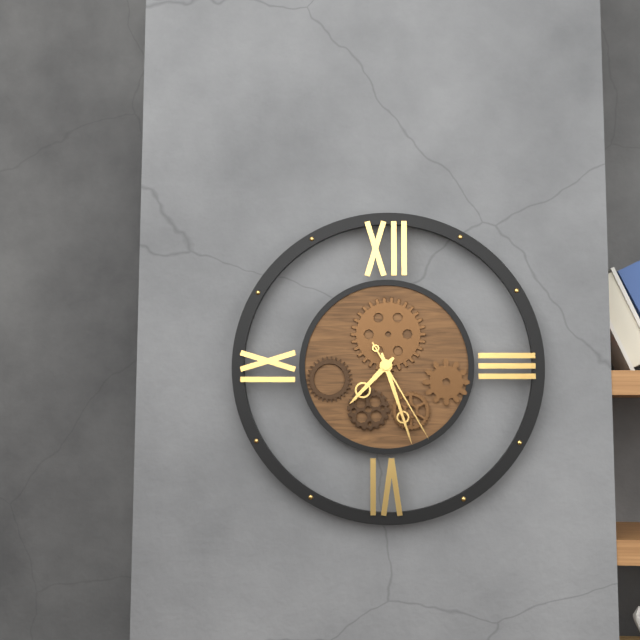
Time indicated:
{"hour": 7, "minute": 27, "second": 25}
